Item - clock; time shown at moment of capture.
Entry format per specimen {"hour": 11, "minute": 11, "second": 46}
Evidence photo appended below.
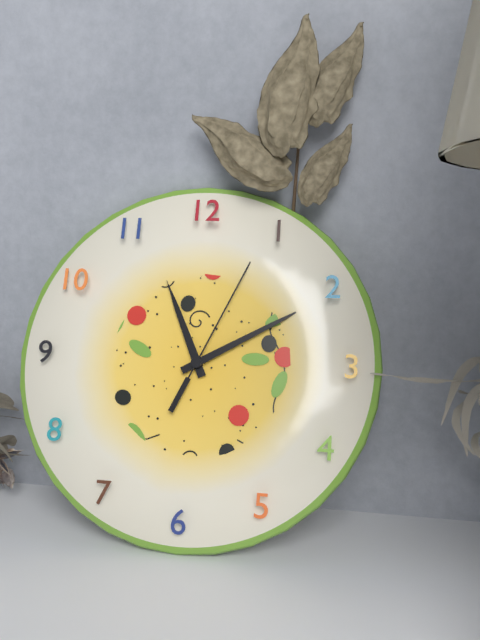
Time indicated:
{"hour": 11, "minute": 10, "second": 4}
